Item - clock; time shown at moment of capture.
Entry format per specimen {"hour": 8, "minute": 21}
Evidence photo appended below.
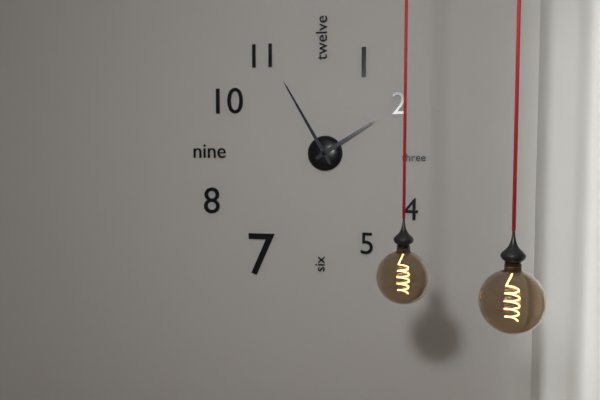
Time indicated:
{"hour": 1, "minute": 55}
